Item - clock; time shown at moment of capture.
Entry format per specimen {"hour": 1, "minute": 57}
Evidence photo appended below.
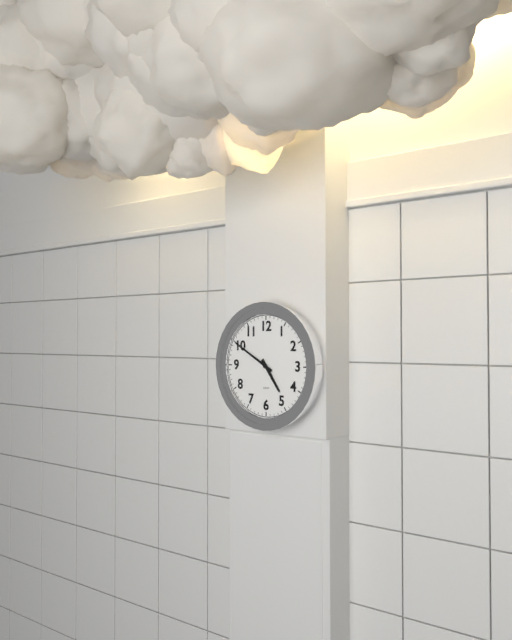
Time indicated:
{"hour": 4, "minute": 50}
